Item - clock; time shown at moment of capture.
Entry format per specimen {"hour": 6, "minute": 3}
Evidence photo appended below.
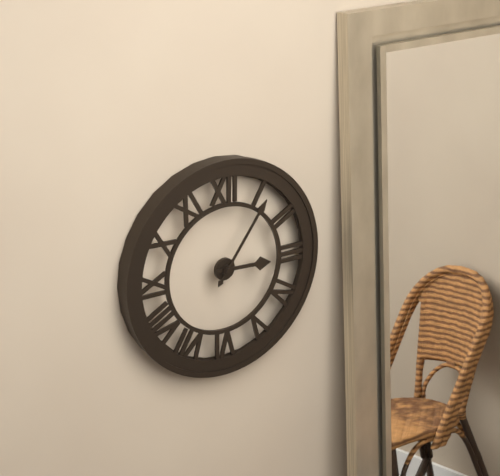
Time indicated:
{"hour": 3, "minute": 6}
